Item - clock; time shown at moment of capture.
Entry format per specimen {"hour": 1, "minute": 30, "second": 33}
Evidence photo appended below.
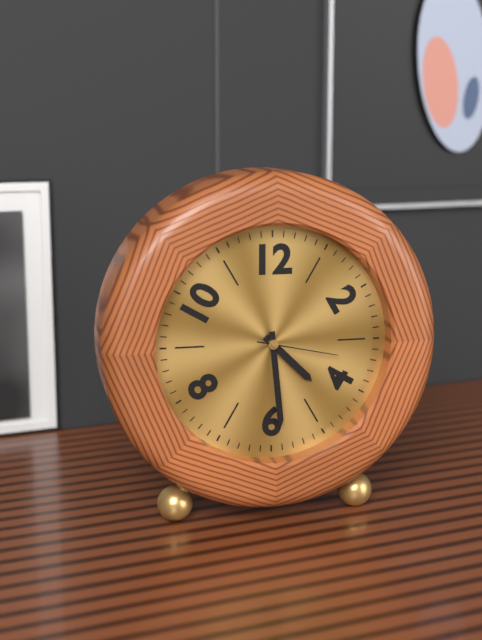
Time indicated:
{"hour": 4, "minute": 29, "second": 17}
